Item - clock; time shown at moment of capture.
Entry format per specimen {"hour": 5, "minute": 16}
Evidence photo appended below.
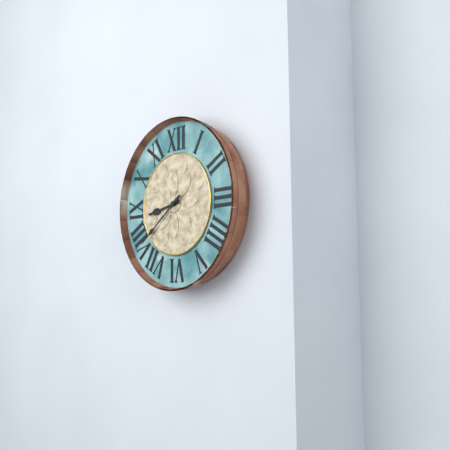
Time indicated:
{"hour": 8, "minute": 39}
